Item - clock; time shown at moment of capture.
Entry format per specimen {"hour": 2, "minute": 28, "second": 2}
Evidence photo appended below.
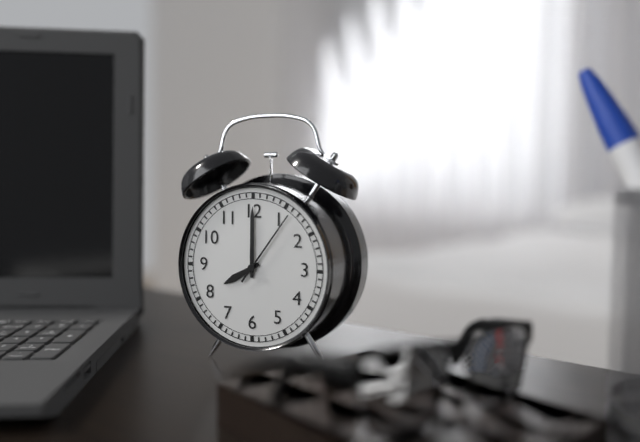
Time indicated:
{"hour": 8, "minute": 0, "second": 6}
